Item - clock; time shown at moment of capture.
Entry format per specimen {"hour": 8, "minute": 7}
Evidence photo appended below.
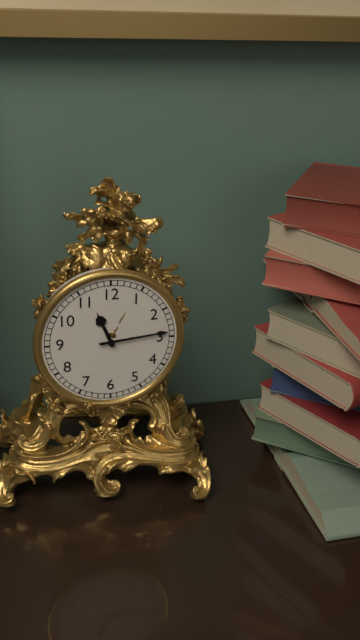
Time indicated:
{"hour": 11, "minute": 14}
